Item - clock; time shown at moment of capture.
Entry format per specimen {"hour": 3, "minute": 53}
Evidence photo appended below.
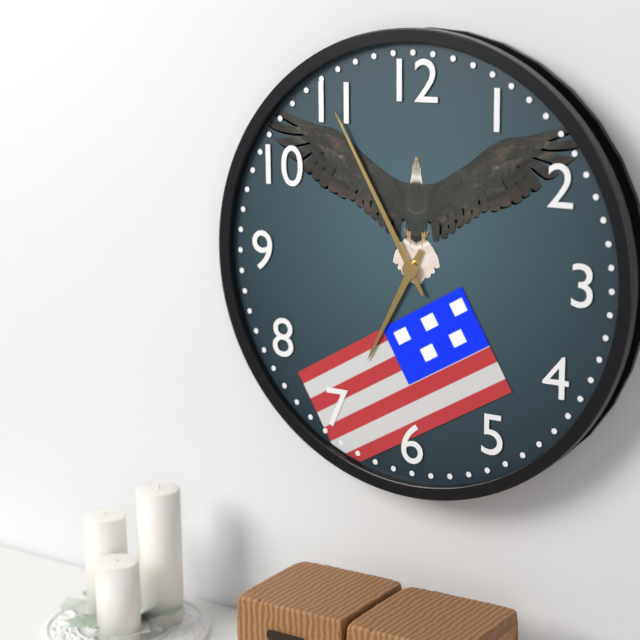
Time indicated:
{"hour": 6, "minute": 55}
